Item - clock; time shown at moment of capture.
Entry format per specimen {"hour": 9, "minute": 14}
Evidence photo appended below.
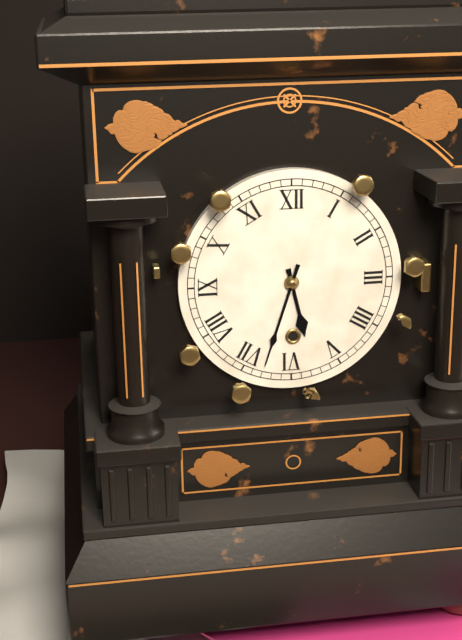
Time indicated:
{"hour": 5, "minute": 33}
